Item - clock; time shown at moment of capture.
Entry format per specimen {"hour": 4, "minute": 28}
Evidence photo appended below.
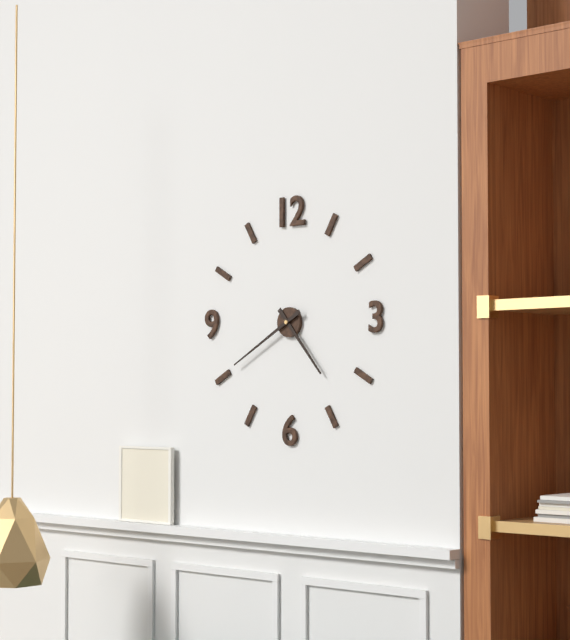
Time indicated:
{"hour": 4, "minute": 40}
